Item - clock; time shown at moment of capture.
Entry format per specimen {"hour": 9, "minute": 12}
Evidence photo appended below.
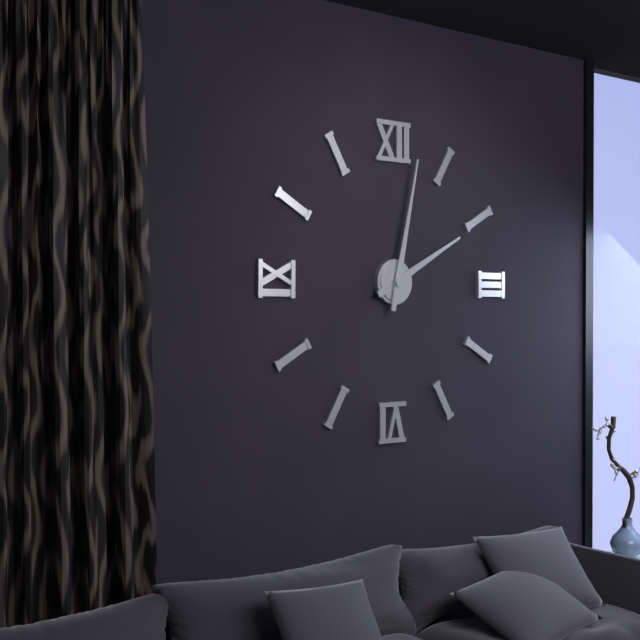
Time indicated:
{"hour": 2, "minute": 2}
